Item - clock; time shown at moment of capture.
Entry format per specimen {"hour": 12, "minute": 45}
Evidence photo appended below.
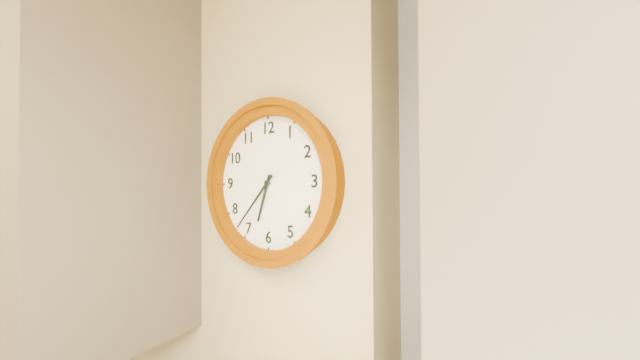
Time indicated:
{"hour": 6, "minute": 37}
